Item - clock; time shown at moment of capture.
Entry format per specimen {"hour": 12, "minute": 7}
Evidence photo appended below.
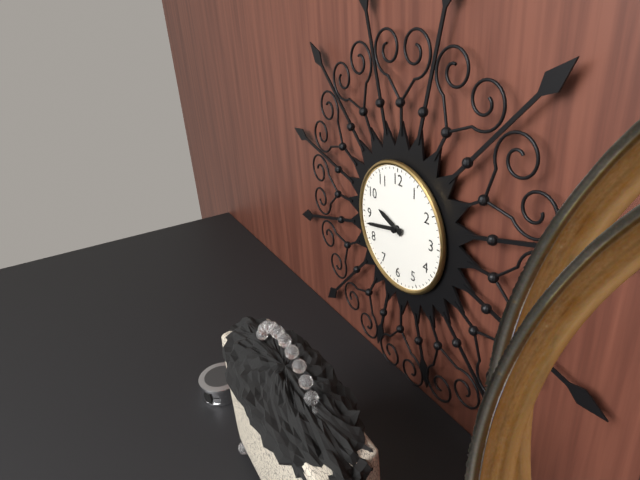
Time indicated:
{"hour": 9, "minute": 43}
